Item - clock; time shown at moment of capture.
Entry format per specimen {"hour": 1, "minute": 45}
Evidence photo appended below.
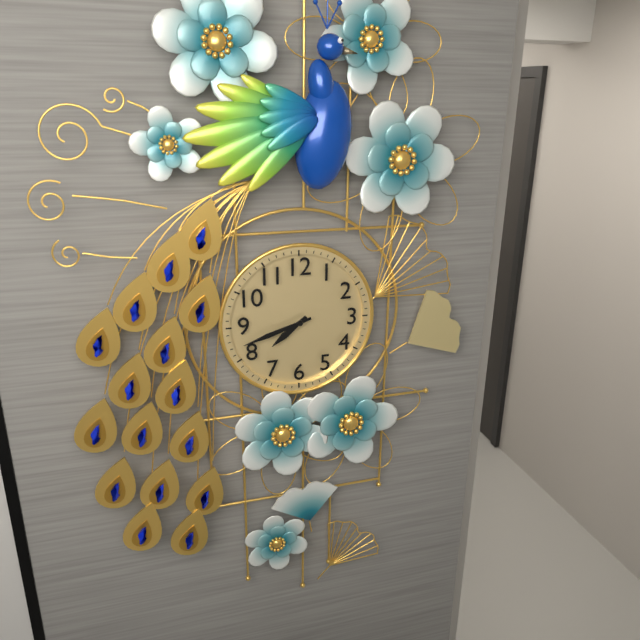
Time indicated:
{"hour": 7, "minute": 42}
